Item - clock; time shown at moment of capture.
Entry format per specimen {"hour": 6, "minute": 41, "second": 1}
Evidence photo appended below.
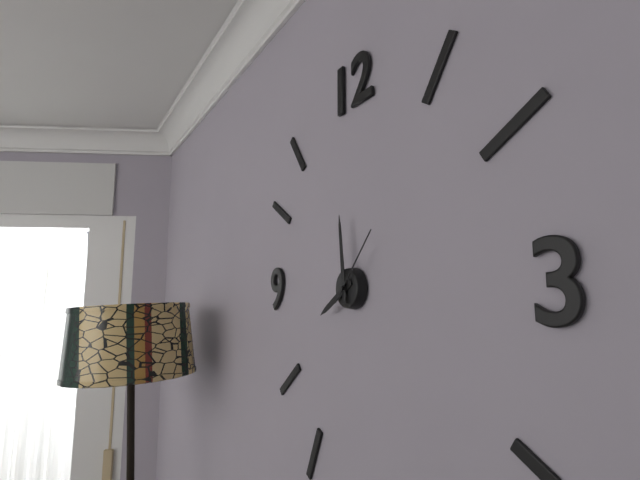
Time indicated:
{"hour": 7, "minute": 59, "second": 7}
